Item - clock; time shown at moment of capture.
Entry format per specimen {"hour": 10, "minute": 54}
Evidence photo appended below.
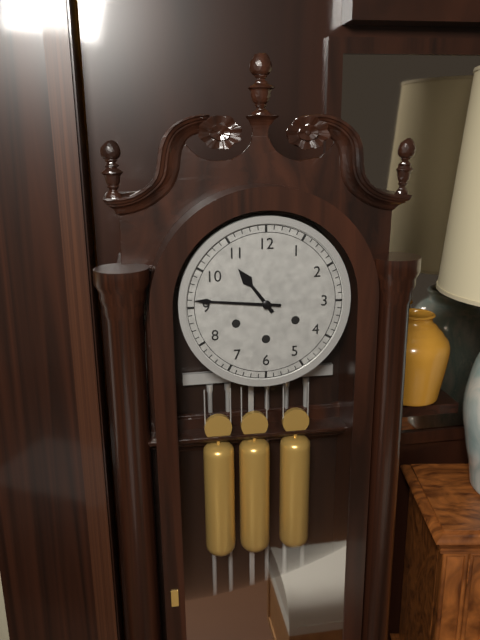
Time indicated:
{"hour": 10, "minute": 46}
